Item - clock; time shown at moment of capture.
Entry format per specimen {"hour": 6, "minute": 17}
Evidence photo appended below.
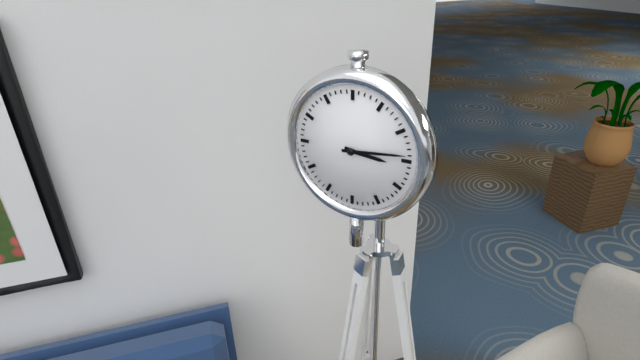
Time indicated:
{"hour": 3, "minute": 14}
